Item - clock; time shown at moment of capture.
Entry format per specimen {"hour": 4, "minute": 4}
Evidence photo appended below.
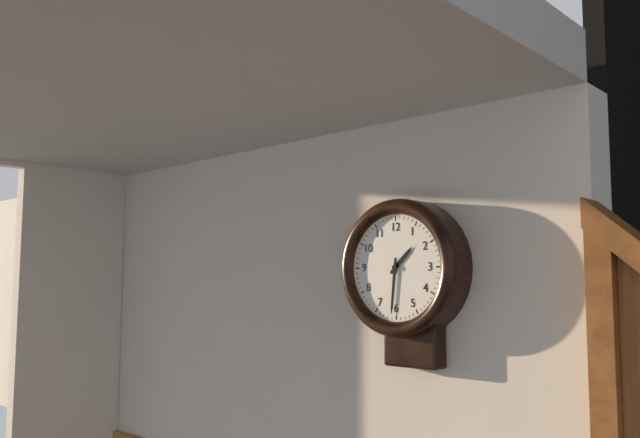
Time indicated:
{"hour": 1, "minute": 31}
